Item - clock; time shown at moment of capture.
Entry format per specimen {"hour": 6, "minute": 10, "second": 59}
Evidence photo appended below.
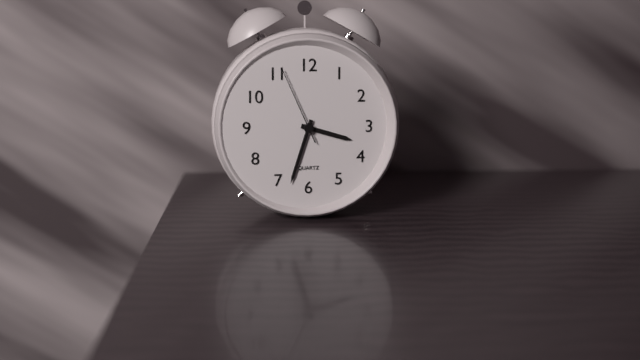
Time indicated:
{"hour": 3, "minute": 33, "second": 56}
